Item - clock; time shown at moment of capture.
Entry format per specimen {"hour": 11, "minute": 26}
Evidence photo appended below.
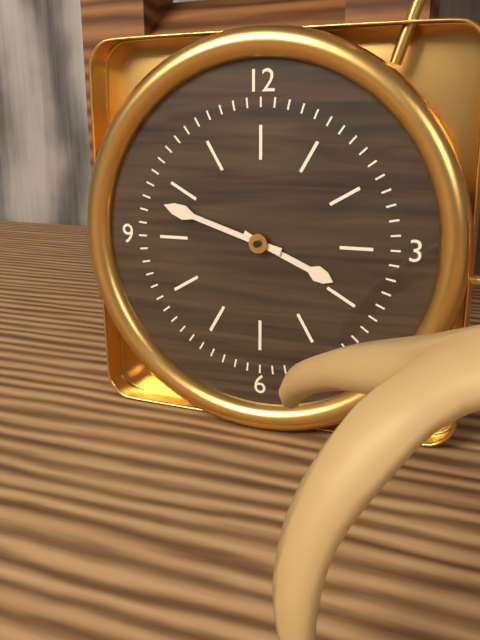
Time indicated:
{"hour": 3, "minute": 48}
